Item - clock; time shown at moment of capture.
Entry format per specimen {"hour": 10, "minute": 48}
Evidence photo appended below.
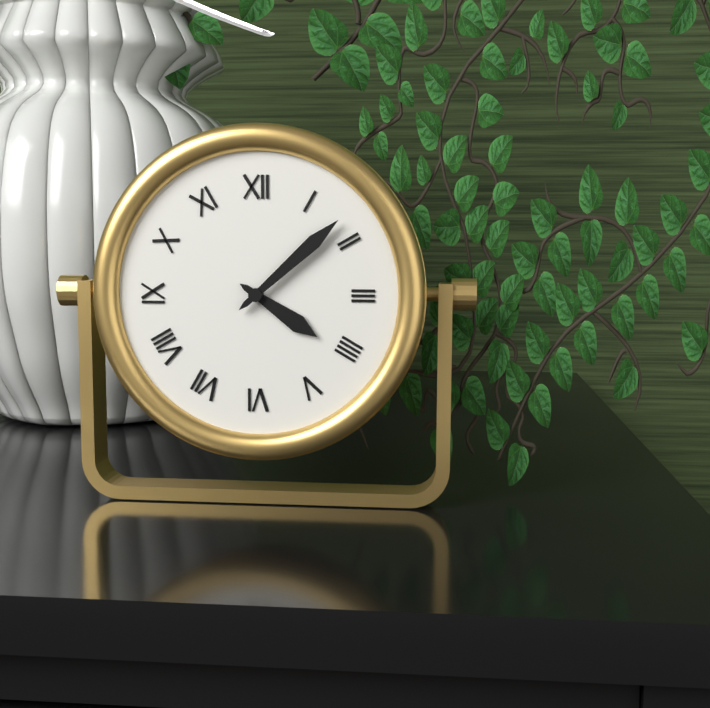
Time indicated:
{"hour": 4, "minute": 8}
